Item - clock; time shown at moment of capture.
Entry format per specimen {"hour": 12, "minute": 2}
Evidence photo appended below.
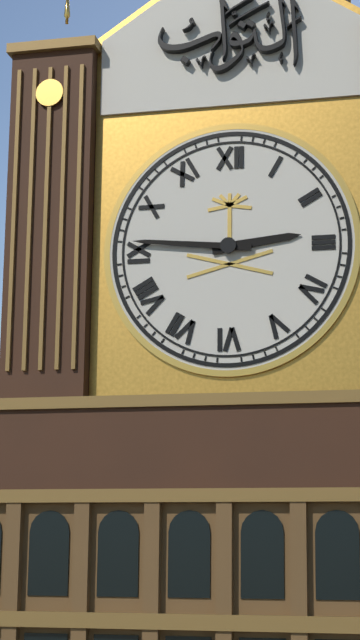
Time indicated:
{"hour": 2, "minute": 46}
